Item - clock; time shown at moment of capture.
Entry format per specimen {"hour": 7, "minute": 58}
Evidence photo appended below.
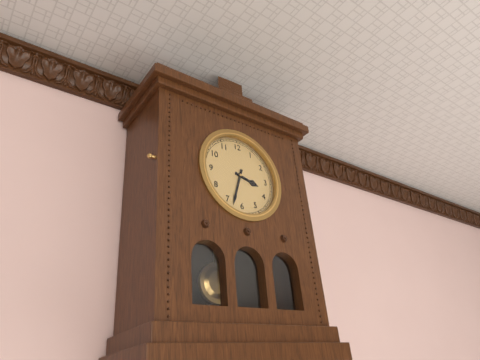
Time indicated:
{"hour": 3, "minute": 33}
